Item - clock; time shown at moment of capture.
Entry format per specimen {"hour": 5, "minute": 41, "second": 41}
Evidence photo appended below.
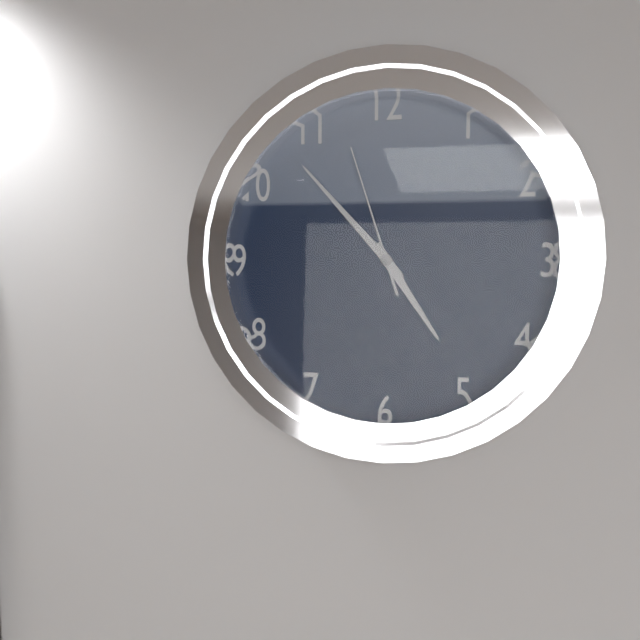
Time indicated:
{"hour": 4, "minute": 53, "second": 57}
